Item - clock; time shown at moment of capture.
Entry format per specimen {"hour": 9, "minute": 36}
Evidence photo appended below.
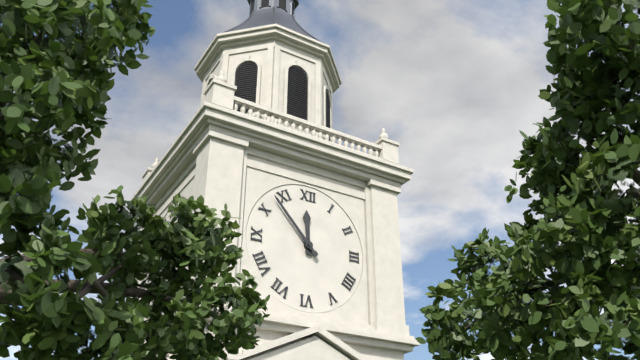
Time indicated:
{"hour": 11, "minute": 53}
